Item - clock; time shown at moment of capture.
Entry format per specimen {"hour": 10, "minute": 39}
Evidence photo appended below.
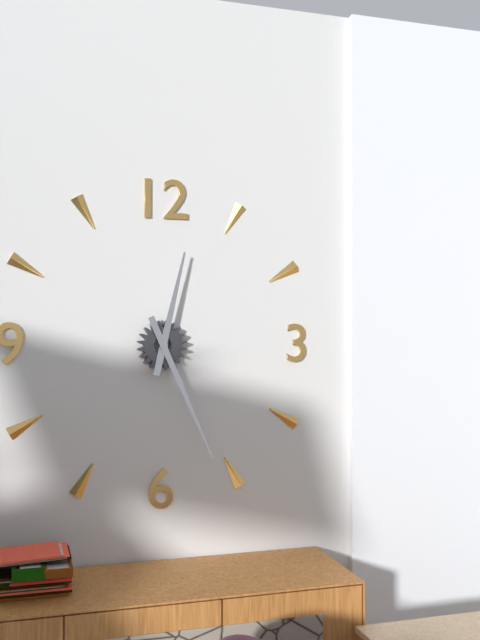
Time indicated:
{"hour": 12, "minute": 26}
